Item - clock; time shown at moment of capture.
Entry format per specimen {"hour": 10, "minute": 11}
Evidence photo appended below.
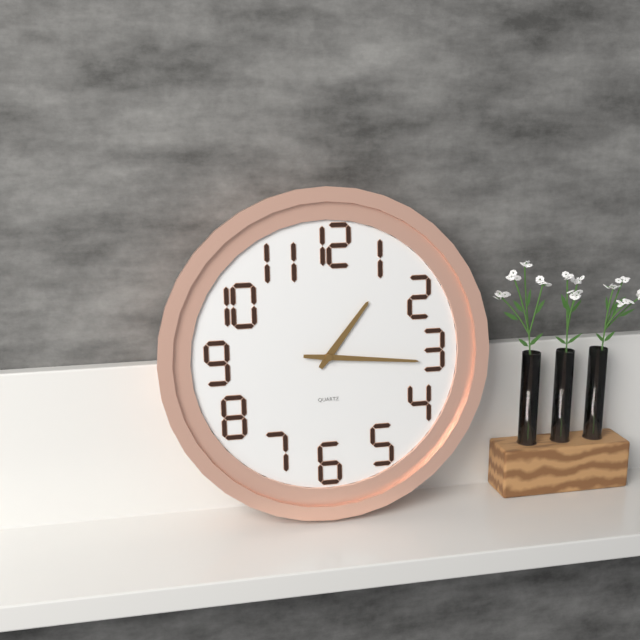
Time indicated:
{"hour": 1, "minute": 16}
